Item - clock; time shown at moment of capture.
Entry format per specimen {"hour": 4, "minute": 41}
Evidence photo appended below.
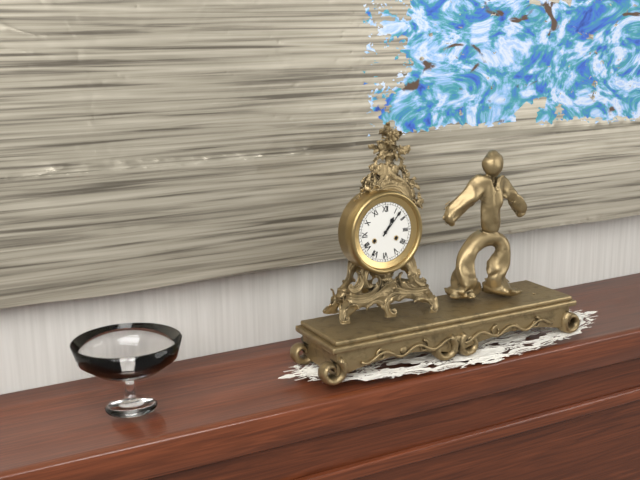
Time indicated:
{"hour": 1, "minute": 7}
